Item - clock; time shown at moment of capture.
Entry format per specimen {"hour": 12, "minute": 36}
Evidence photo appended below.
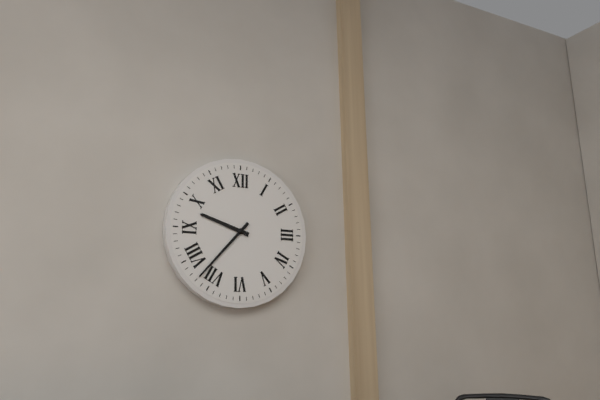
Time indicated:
{"hour": 9, "minute": 37}
